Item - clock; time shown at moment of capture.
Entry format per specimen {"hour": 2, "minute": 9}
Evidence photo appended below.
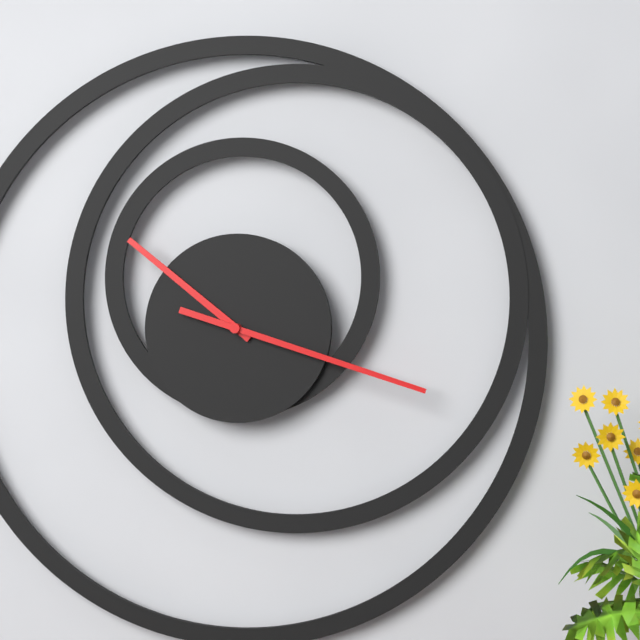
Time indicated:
{"hour": 10, "minute": 18}
